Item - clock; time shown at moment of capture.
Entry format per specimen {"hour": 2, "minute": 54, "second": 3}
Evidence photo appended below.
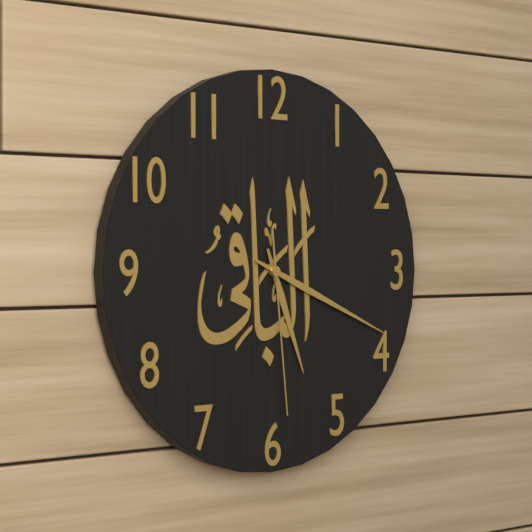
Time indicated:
{"hour": 5, "minute": 19, "second": 29}
